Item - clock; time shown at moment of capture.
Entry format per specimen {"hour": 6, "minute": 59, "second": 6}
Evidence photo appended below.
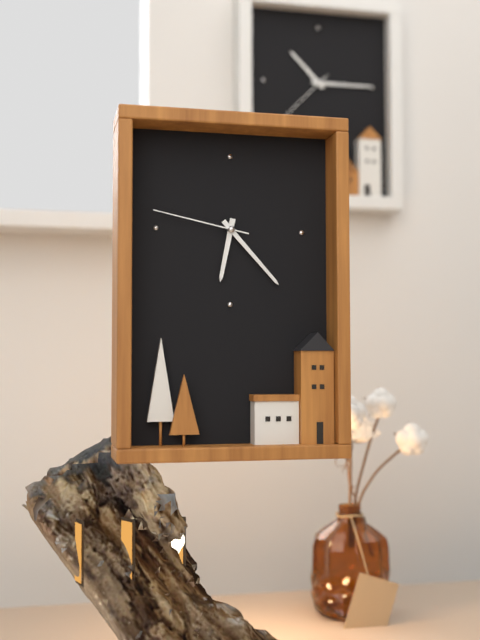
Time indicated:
{"hour": 6, "minute": 23, "second": 47}
